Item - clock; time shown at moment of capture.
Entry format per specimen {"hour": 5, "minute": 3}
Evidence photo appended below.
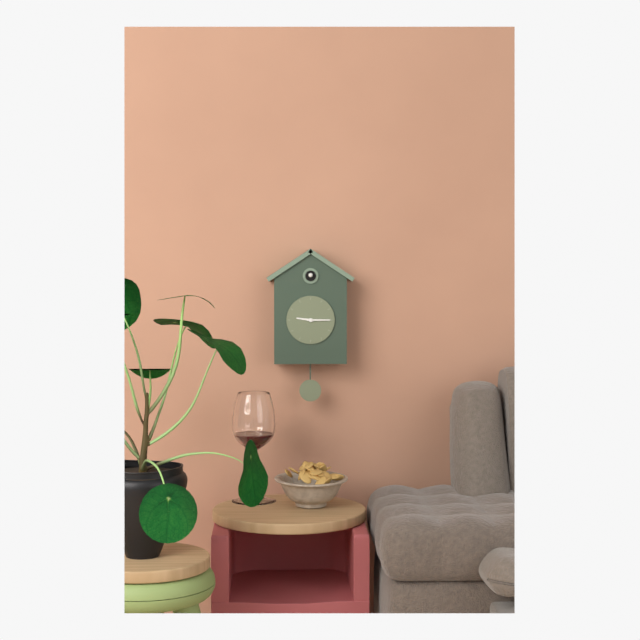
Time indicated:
{"hour": 9, "minute": 15}
